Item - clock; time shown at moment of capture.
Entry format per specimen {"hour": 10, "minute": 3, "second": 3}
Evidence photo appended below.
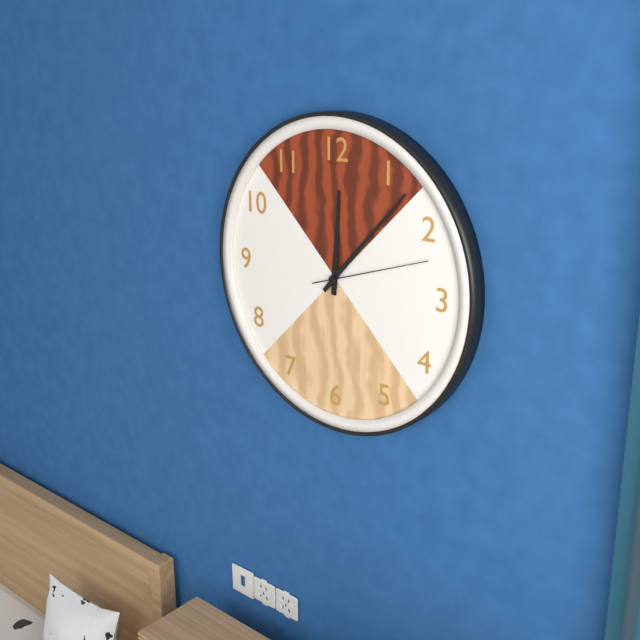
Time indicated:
{"hour": 12, "minute": 7, "second": 12}
